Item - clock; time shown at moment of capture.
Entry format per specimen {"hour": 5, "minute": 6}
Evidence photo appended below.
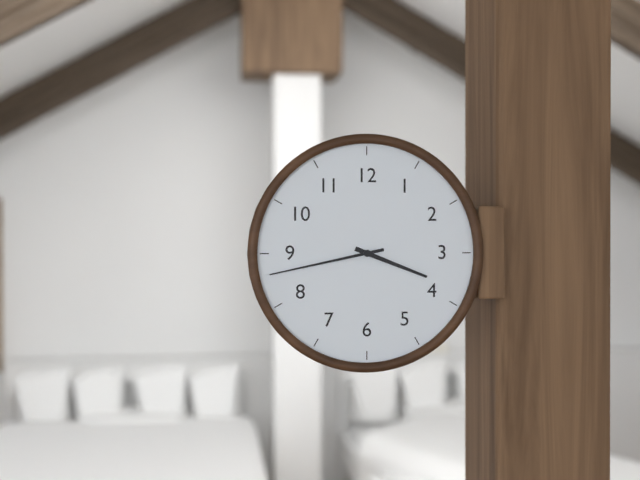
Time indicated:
{"hour": 3, "minute": 43}
